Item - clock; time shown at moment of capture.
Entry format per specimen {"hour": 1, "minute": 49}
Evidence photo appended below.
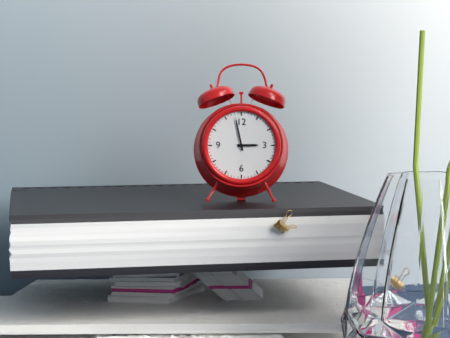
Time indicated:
{"hour": 2, "minute": 58}
